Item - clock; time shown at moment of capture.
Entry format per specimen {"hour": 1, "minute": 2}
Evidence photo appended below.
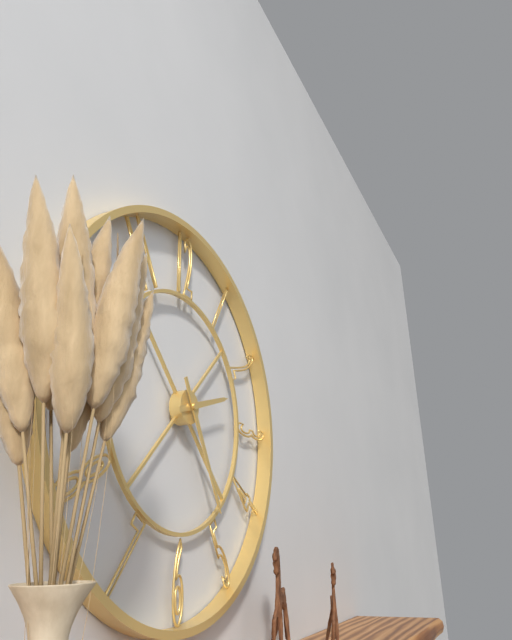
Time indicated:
{"hour": 2, "minute": 25}
